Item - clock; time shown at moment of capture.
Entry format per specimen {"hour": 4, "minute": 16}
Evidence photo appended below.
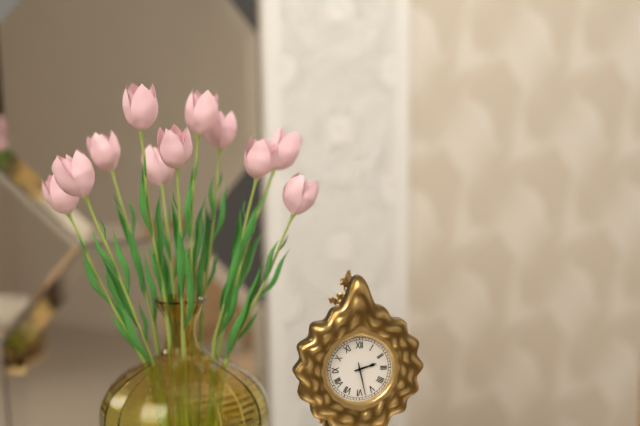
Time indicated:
{"hour": 2, "minute": 28}
